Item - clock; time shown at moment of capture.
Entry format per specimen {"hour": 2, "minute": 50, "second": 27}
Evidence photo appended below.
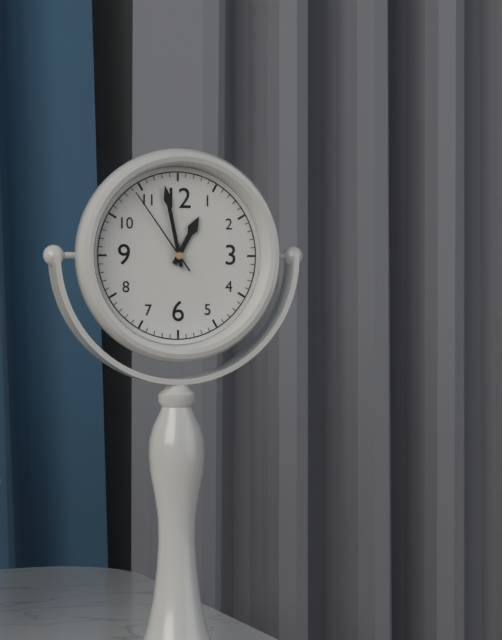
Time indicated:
{"hour": 12, "minute": 58, "second": 54}
